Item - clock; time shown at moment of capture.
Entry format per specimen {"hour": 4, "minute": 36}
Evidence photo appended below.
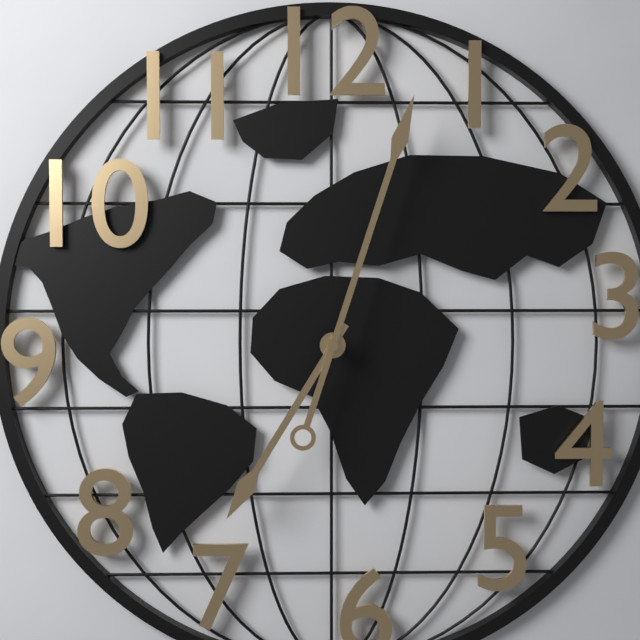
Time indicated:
{"hour": 7, "minute": 3}
